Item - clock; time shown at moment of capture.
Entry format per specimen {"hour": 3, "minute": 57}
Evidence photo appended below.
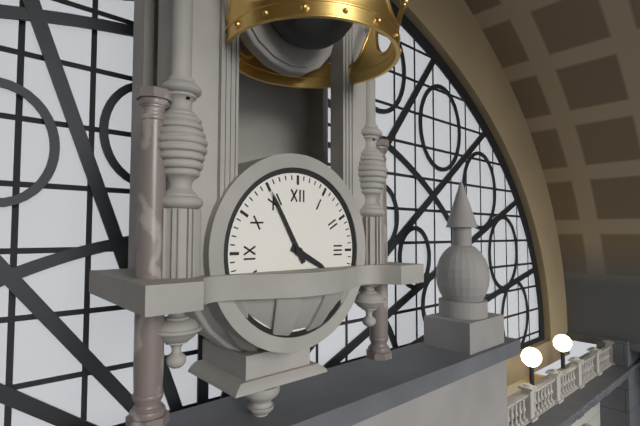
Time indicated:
{"hour": 3, "minute": 55}
